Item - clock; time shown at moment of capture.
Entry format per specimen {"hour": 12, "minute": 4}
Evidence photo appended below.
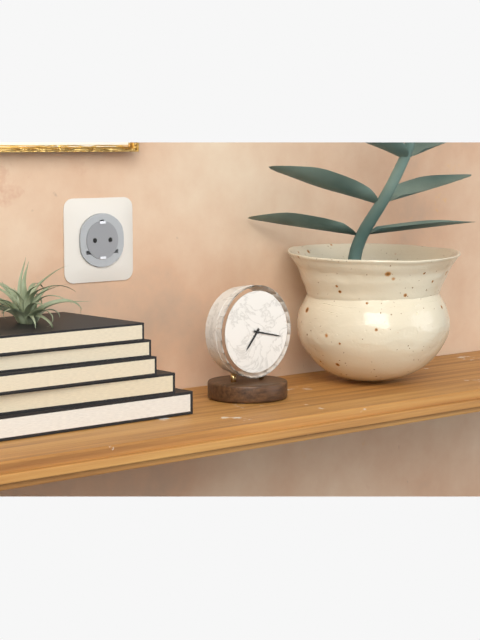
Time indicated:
{"hour": 7, "minute": 17}
